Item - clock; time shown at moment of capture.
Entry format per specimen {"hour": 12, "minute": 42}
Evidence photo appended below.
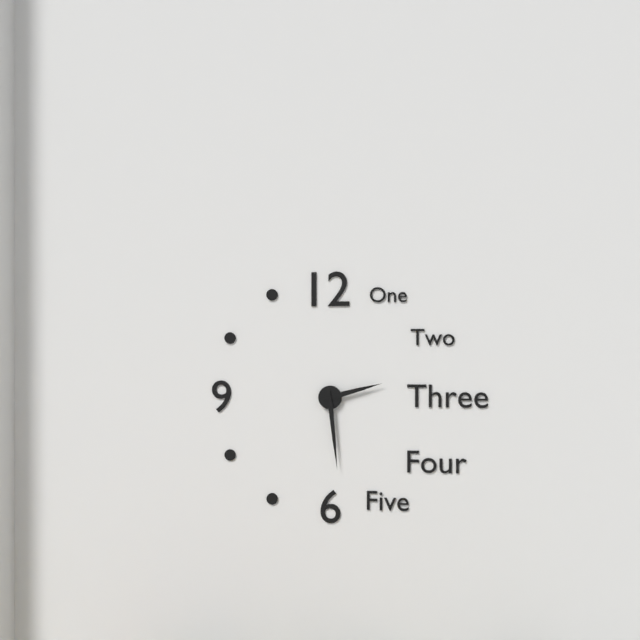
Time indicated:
{"hour": 2, "minute": 29}
